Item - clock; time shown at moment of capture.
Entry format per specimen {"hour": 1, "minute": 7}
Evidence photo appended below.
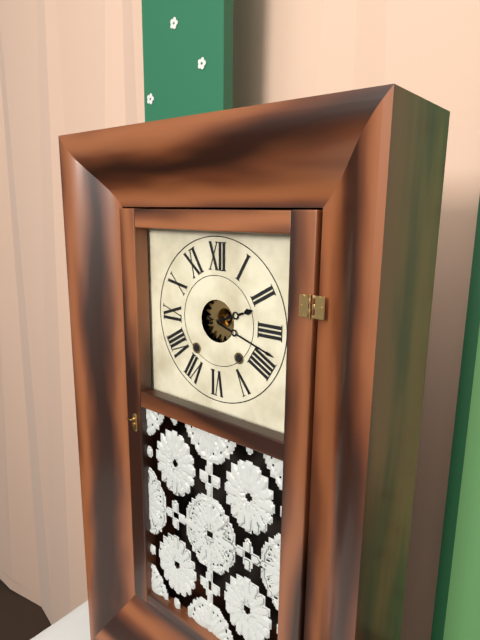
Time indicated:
{"hour": 2, "minute": 18}
